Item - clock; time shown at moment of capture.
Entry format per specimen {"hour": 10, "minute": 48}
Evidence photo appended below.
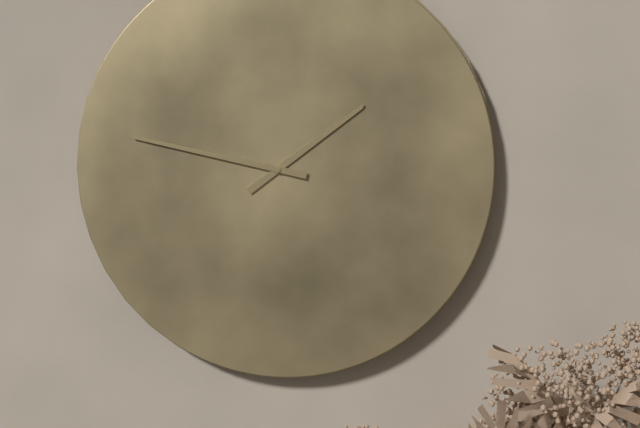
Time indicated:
{"hour": 1, "minute": 47}
